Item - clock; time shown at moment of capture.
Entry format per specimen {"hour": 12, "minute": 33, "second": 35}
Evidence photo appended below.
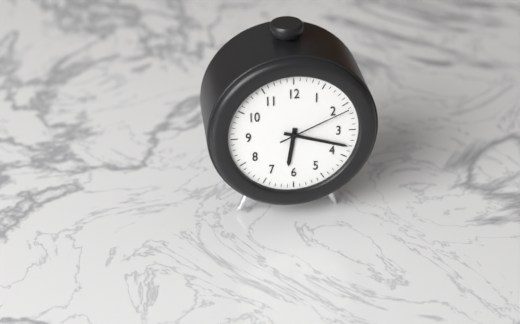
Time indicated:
{"hour": 6, "minute": 18, "second": 11}
